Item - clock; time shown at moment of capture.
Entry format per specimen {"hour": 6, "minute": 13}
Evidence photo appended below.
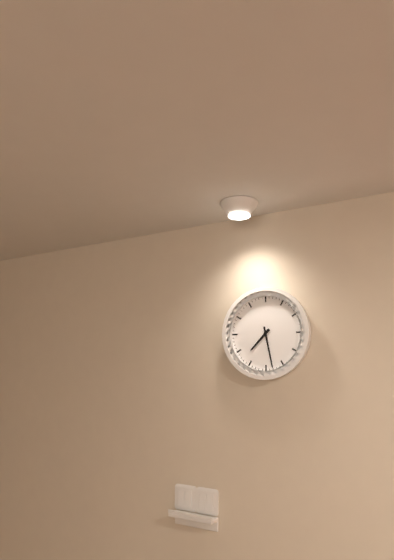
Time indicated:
{"hour": 7, "minute": 28}
